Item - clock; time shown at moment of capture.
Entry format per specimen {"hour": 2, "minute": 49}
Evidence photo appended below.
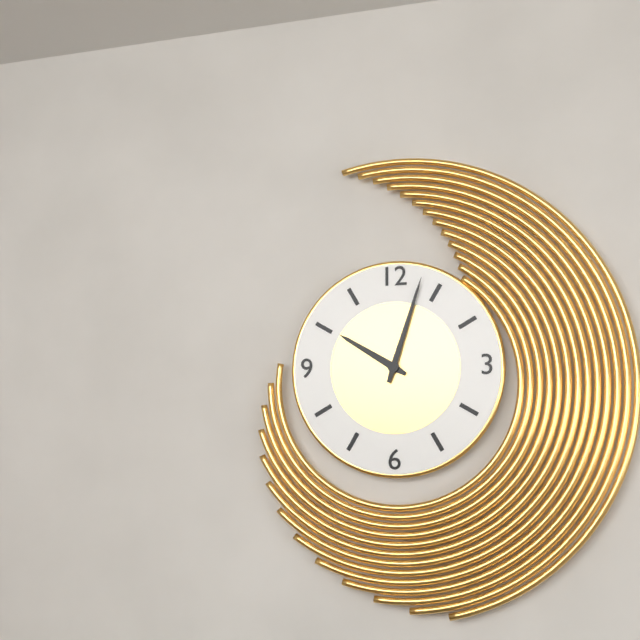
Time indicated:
{"hour": 10, "minute": 3}
